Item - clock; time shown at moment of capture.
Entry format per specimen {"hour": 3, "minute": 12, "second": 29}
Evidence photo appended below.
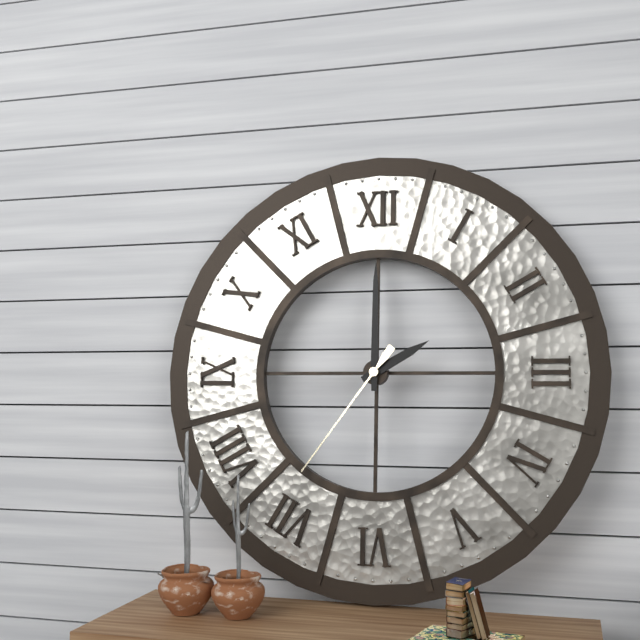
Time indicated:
{"hour": 2, "minute": 0, "second": 36}
